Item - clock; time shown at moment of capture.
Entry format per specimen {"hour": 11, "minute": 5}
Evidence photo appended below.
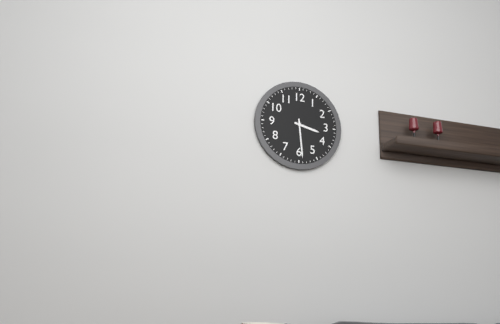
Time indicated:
{"hour": 3, "minute": 29}
